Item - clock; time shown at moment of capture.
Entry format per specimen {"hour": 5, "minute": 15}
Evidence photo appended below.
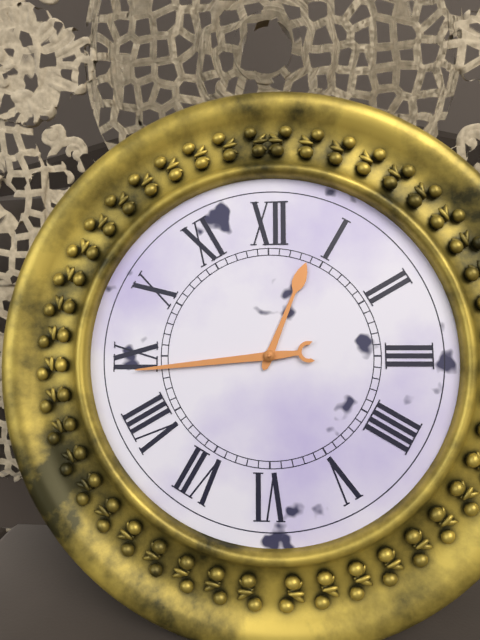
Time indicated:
{"hour": 12, "minute": 44}
